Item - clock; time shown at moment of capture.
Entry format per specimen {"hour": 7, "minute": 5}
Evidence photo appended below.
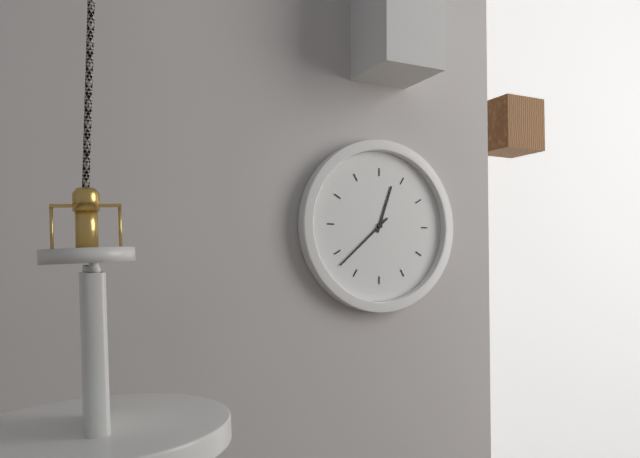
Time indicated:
{"hour": 12, "minute": 38}
